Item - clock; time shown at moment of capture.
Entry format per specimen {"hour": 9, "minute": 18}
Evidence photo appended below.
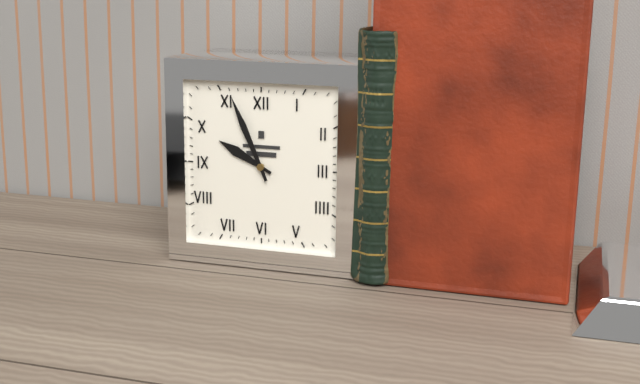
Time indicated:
{"hour": 9, "minute": 56}
